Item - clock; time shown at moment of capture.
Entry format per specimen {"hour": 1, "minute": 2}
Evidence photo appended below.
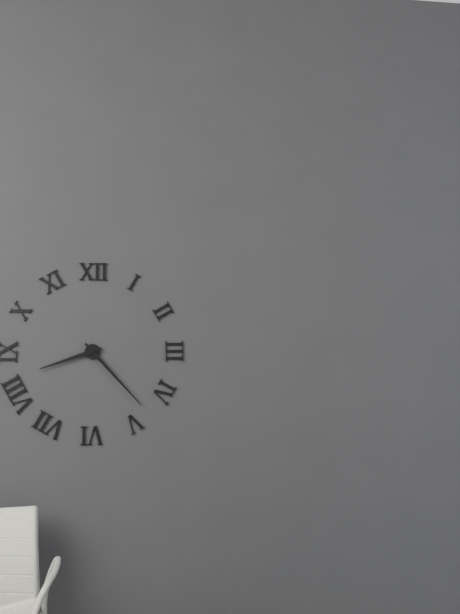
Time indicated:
{"hour": 8, "minute": 23}
